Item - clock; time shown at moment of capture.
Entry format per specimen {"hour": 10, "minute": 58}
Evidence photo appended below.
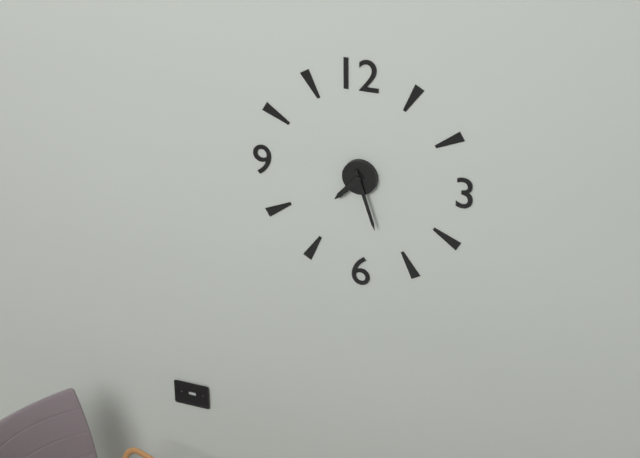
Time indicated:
{"hour": 7, "minute": 27}
